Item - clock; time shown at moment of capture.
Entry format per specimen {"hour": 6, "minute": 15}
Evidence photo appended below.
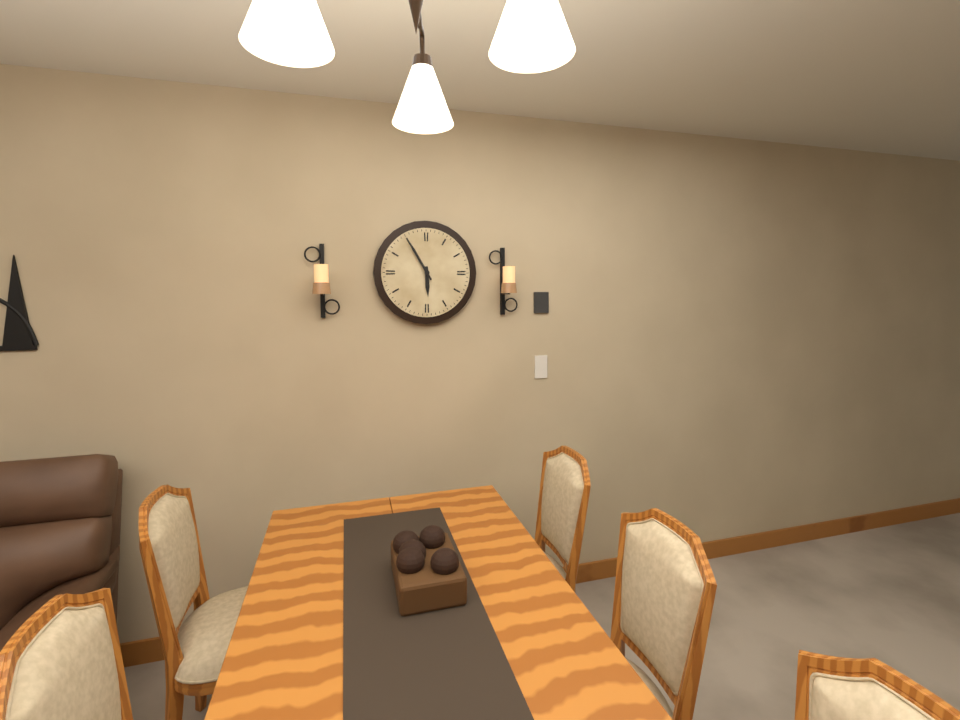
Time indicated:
{"hour": 5, "minute": 55}
